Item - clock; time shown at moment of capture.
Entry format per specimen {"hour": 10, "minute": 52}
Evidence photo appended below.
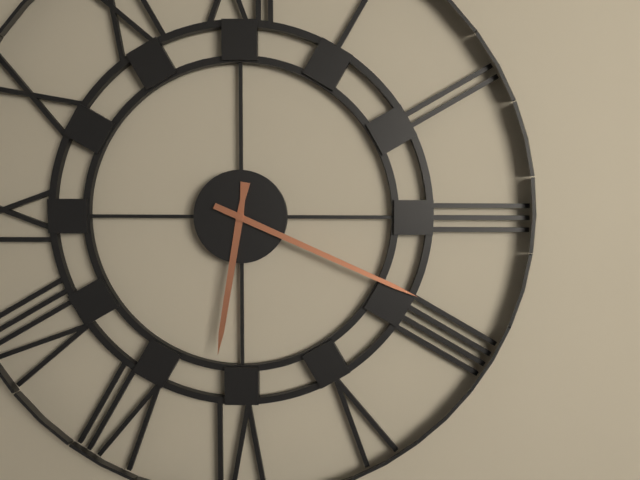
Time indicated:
{"hour": 6, "minute": 19}
